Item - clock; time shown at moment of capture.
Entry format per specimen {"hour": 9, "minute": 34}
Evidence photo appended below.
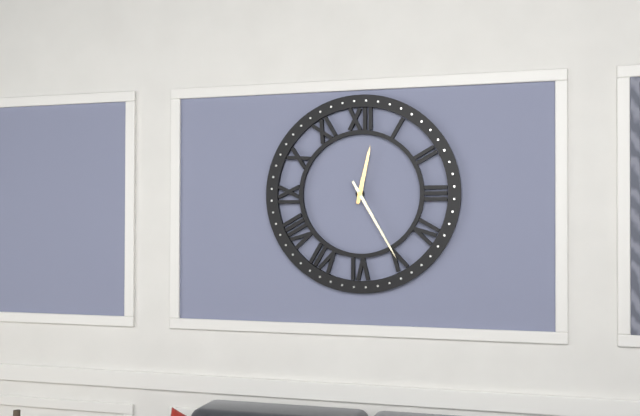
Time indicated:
{"hour": 12, "minute": 25}
